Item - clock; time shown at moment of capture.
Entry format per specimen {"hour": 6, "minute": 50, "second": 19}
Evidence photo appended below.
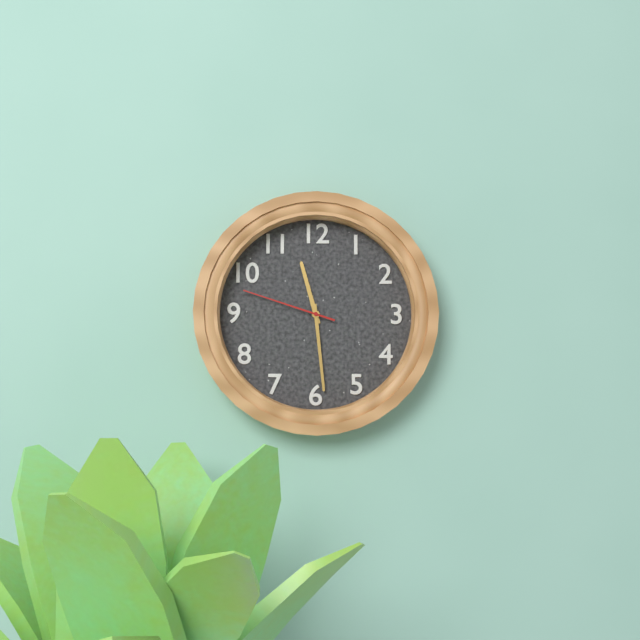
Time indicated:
{"hour": 11, "minute": 29, "second": 48}
